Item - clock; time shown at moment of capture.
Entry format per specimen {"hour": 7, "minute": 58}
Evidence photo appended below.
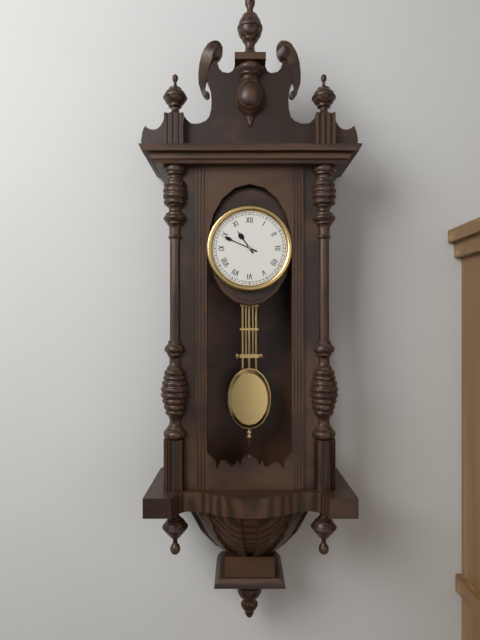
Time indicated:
{"hour": 10, "minute": 49}
